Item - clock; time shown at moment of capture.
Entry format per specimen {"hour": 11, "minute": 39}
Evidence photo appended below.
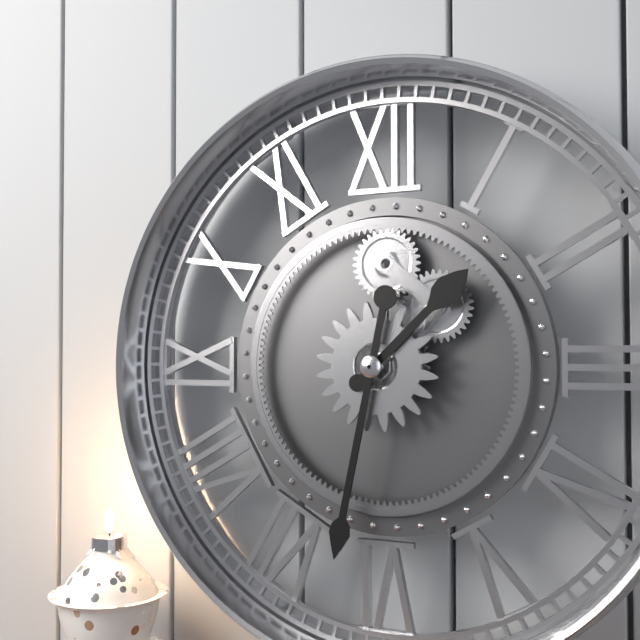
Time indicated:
{"hour": 1, "minute": 32}
